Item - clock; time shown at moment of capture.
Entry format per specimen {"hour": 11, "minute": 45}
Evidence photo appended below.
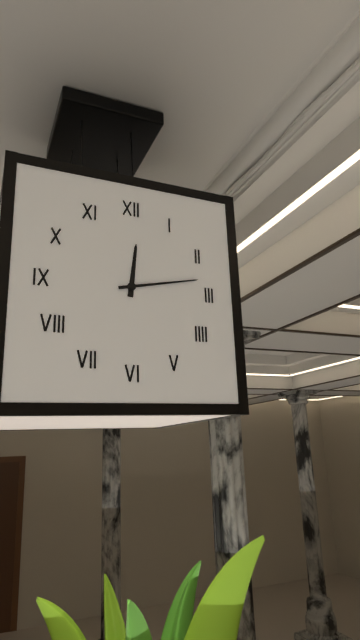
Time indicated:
{"hour": 12, "minute": 13}
